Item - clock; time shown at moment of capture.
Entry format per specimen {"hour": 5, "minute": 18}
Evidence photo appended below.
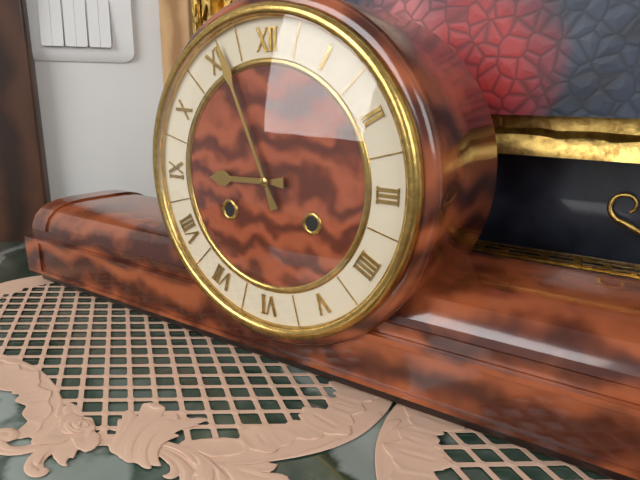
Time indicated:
{"hour": 8, "minute": 56}
